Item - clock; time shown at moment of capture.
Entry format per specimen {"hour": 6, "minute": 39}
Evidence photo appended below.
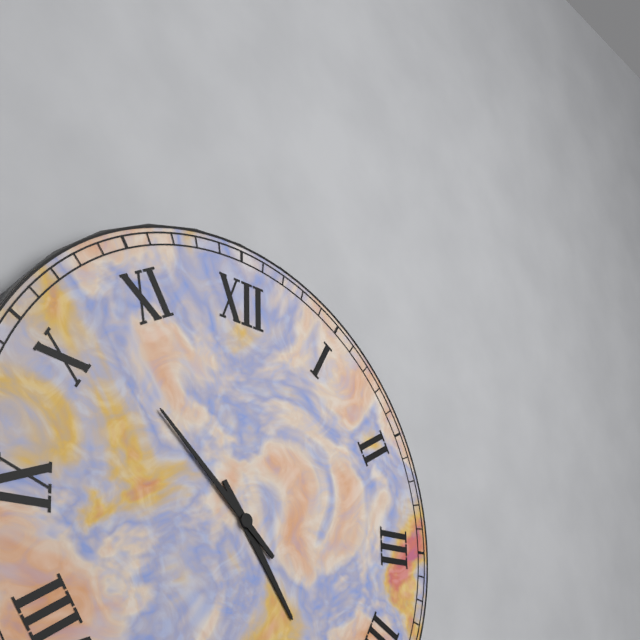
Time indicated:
{"hour": 4, "minute": 52}
